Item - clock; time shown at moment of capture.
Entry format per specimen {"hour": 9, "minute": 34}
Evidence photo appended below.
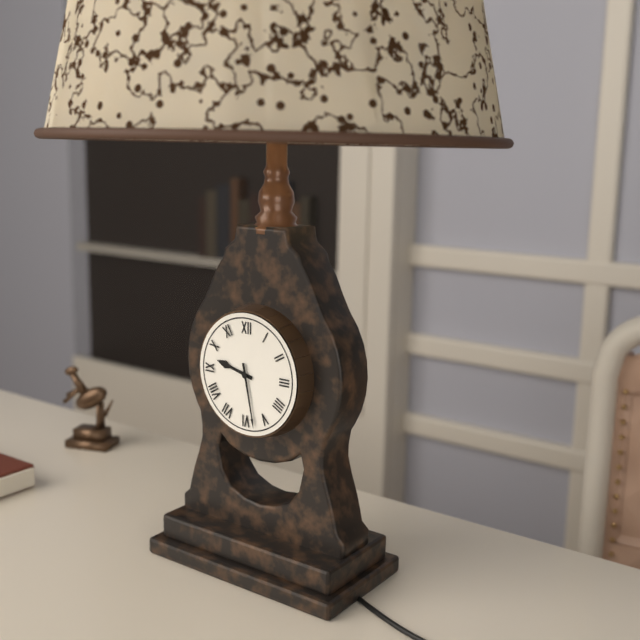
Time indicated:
{"hour": 9, "minute": 28}
